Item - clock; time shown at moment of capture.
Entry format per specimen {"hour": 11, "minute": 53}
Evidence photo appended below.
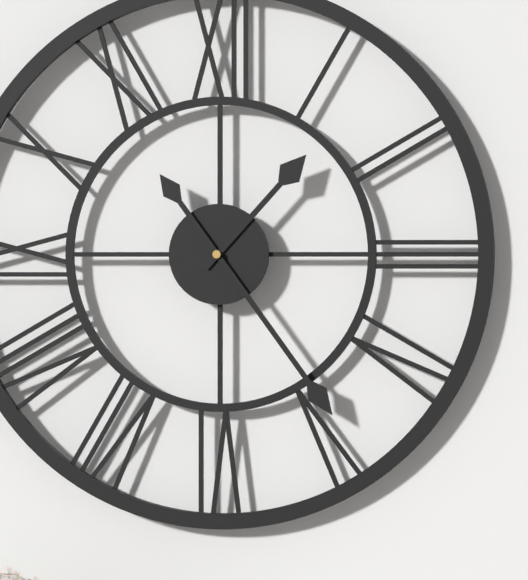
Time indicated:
{"hour": 1, "minute": 24}
